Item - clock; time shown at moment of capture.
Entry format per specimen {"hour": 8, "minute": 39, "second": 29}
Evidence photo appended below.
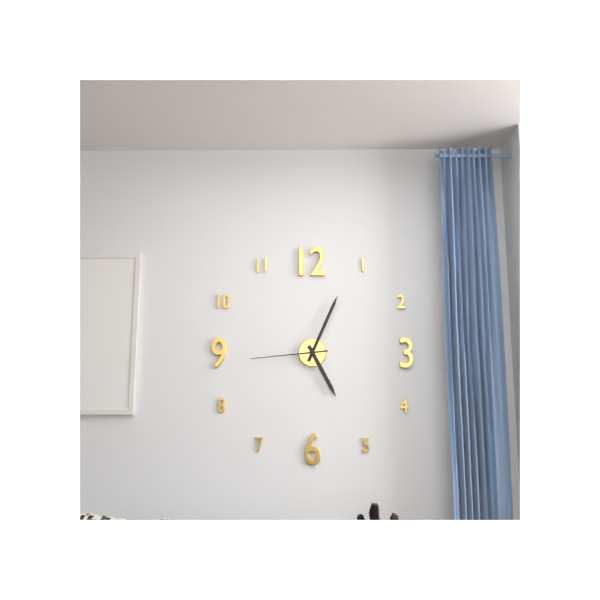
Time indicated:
{"hour": 5, "minute": 4, "second": 44}
